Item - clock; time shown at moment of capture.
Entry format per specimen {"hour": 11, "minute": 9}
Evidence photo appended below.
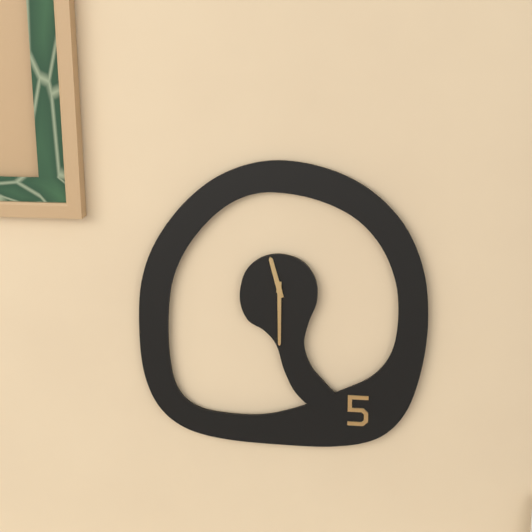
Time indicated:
{"hour": 11, "minute": 30}
